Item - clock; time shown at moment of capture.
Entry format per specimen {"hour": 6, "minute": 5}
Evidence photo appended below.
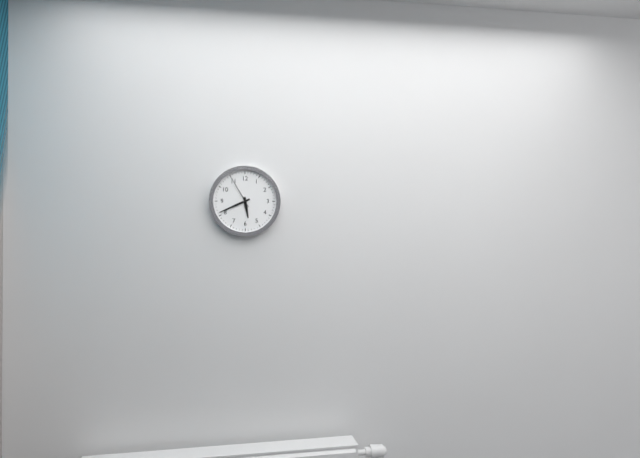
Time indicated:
{"hour": 5, "minute": 41}
